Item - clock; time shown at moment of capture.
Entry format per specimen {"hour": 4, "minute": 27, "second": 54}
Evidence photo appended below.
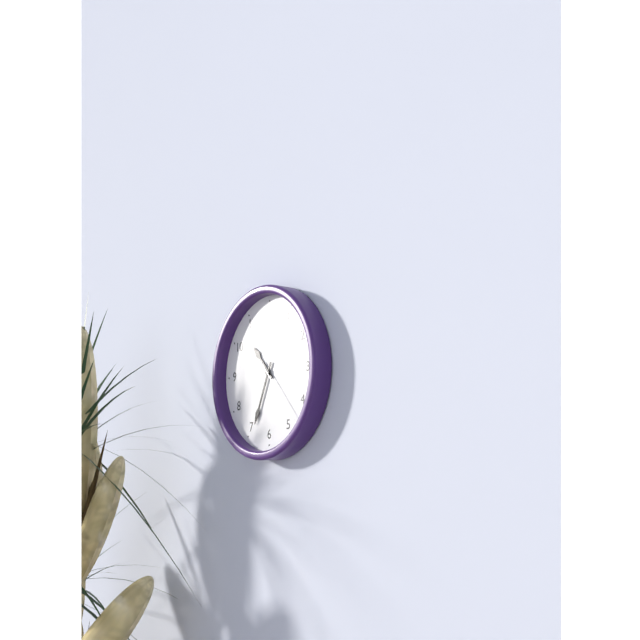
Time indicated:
{"hour": 10, "minute": 34, "second": 23}
